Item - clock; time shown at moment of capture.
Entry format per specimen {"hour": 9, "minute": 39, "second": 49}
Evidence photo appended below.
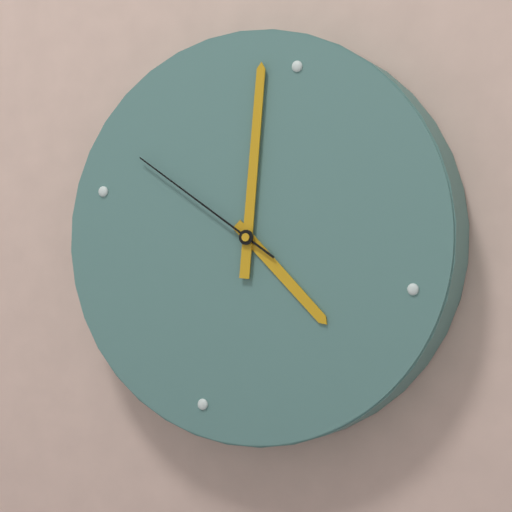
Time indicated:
{"hour": 3, "minute": 58, "second": 48}
